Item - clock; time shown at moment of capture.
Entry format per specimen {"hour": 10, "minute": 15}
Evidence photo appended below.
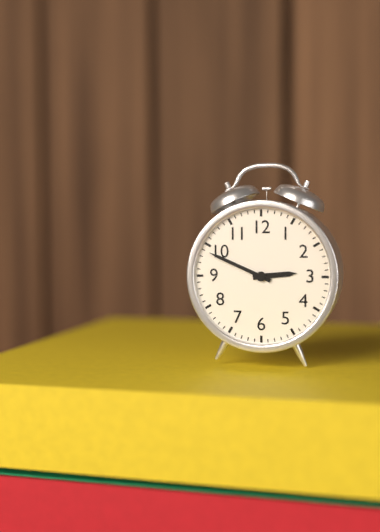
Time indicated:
{"hour": 2, "minute": 49}
